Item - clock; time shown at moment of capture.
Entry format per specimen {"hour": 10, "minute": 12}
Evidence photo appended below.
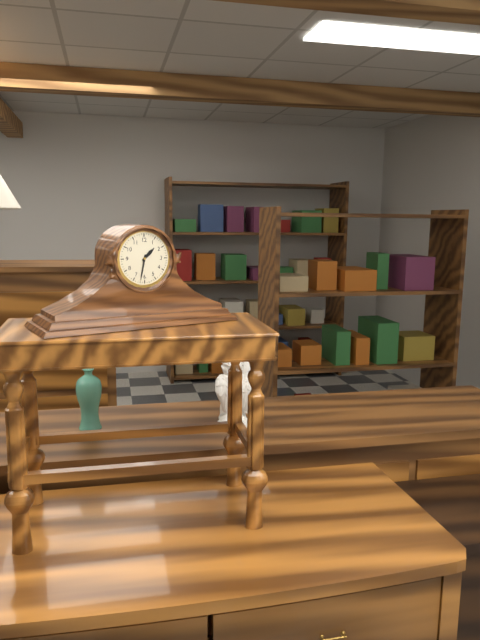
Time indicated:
{"hour": 1, "minute": 32}
